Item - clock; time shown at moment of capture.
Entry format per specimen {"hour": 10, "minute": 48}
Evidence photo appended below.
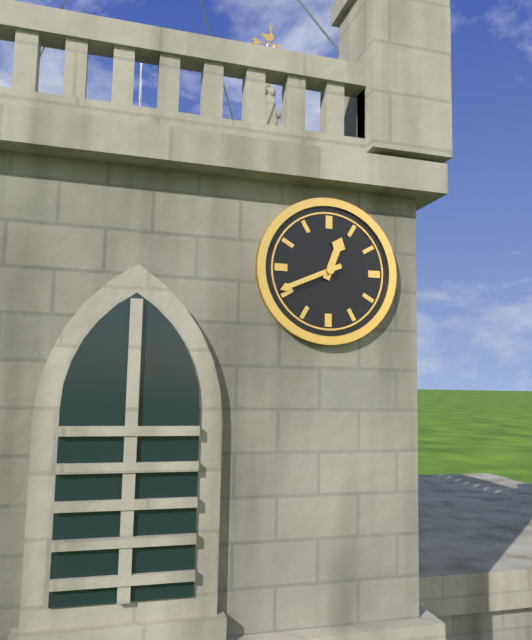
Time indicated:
{"hour": 12, "minute": 41}
